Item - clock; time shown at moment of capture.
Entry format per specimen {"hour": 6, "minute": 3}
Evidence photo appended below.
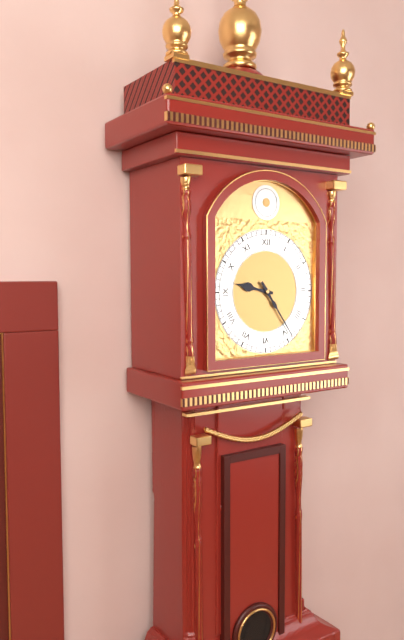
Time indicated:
{"hour": 9, "minute": 24}
